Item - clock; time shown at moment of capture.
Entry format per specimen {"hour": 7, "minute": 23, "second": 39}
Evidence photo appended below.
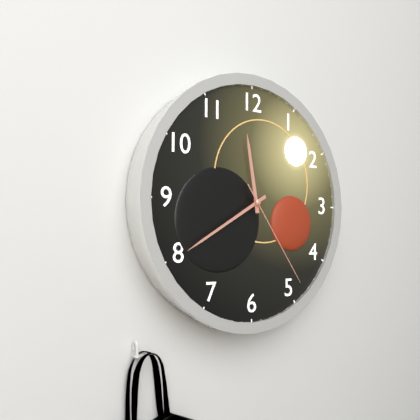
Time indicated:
{"hour": 11, "minute": 40, "second": 24}
